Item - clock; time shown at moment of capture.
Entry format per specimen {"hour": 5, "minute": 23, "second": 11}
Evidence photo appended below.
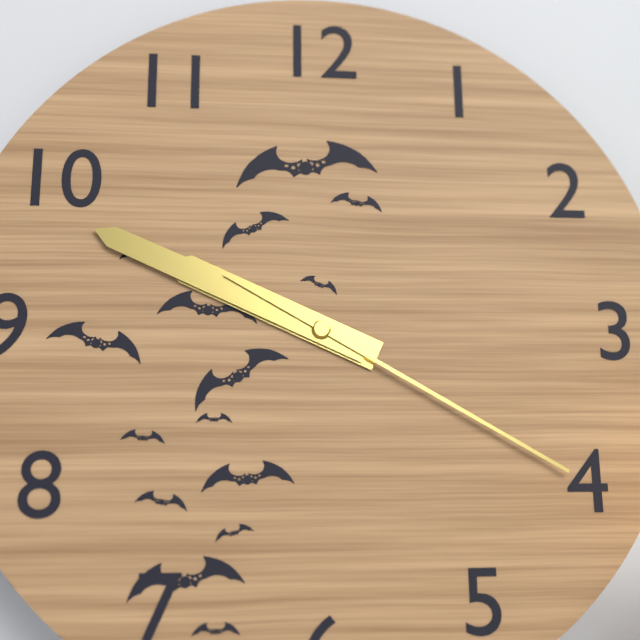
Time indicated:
{"hour": 9, "minute": 49, "second": 20}
